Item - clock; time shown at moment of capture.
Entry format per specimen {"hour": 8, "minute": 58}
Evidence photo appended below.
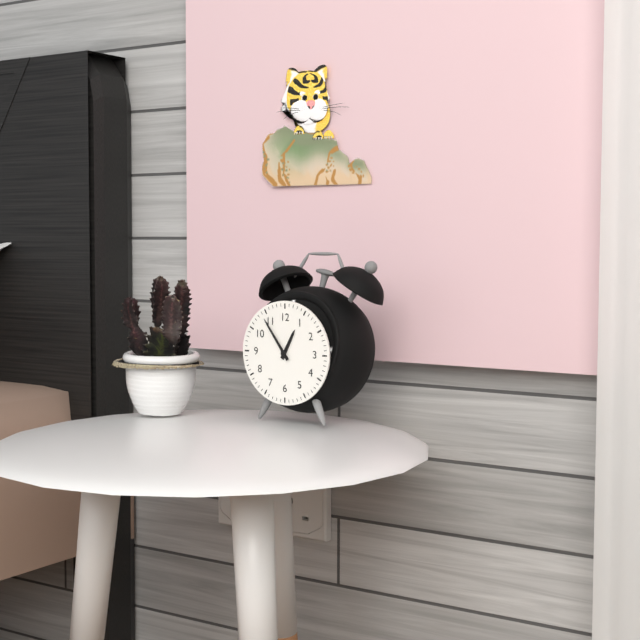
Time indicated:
{"hour": 12, "minute": 54}
